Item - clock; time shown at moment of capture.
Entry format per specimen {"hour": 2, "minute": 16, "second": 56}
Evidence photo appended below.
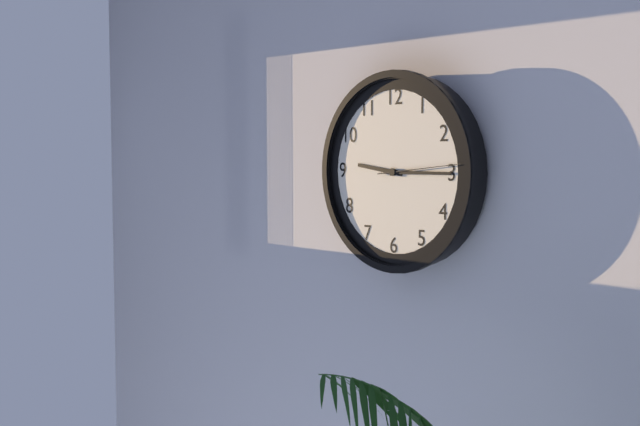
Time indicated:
{"hour": 9, "minute": 15, "second": 14}
